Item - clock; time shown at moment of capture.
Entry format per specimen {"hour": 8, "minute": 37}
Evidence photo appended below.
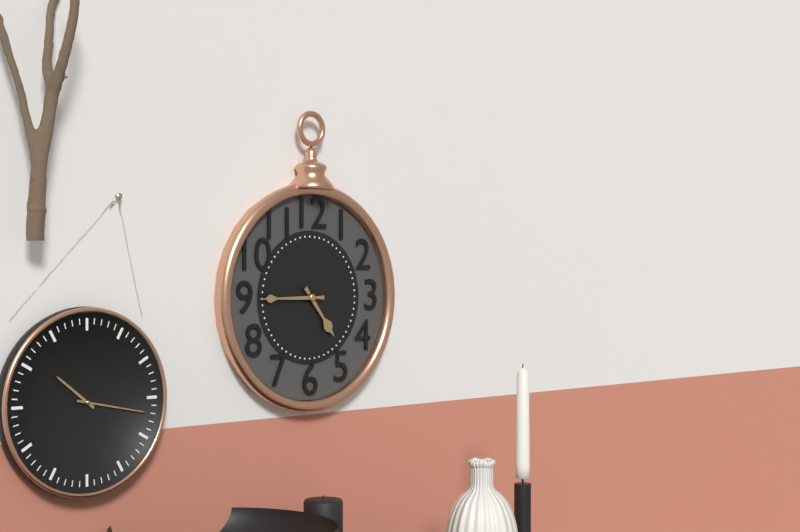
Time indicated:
{"hour": 4, "minute": 45}
